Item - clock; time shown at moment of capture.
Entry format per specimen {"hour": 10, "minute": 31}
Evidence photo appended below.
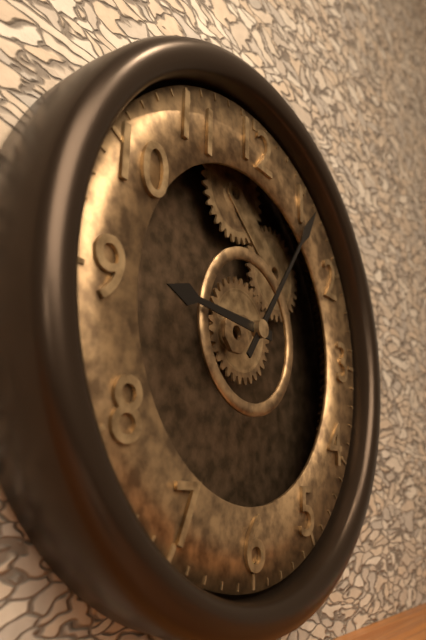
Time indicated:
{"hour": 9, "minute": 6}
